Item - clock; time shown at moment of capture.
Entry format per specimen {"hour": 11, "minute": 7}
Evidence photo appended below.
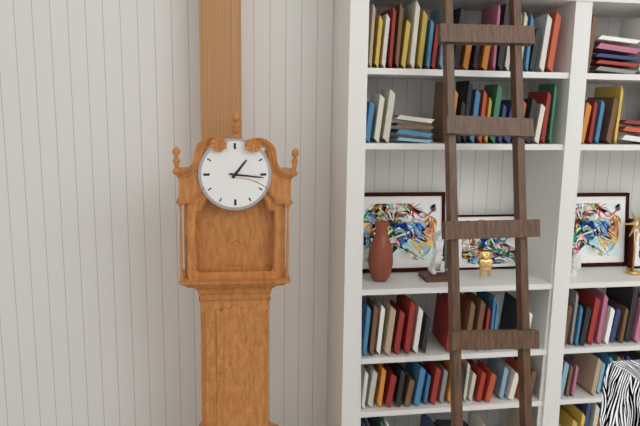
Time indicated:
{"hour": 1, "minute": 16}
